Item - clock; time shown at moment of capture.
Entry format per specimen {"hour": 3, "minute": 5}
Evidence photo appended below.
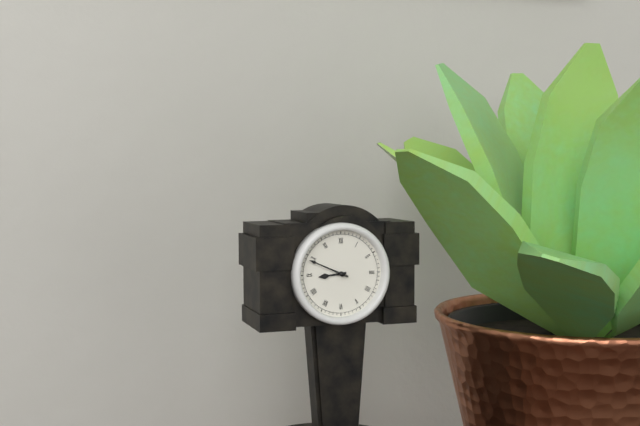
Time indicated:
{"hour": 8, "minute": 49}
